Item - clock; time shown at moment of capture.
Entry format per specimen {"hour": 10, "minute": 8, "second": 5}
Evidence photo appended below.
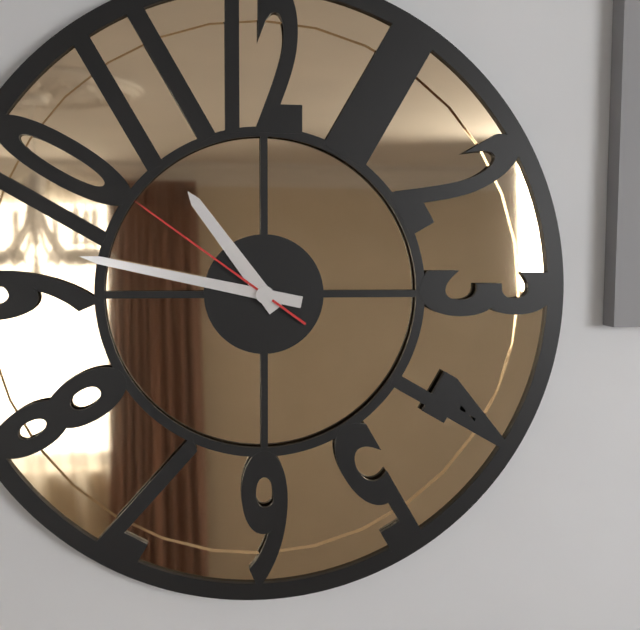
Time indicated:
{"hour": 10, "minute": 47, "second": 51}
